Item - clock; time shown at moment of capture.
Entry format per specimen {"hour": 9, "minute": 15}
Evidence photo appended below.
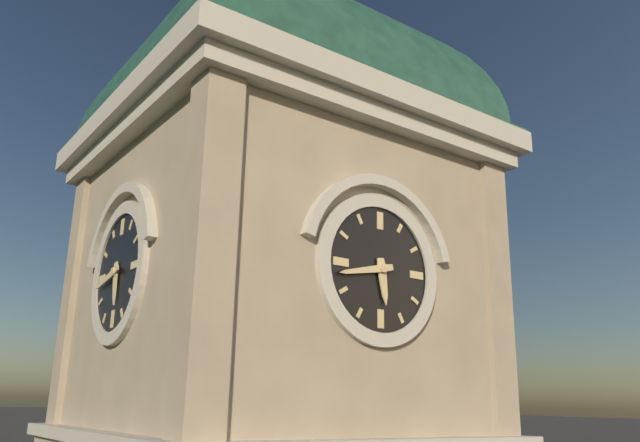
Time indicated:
{"hour": 5, "minute": 43}
